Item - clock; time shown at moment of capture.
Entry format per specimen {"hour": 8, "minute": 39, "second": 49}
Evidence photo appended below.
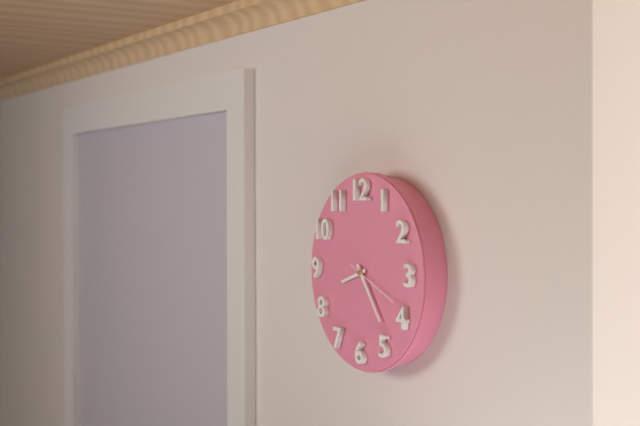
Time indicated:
{"hour": 8, "minute": 24, "second": 19}
